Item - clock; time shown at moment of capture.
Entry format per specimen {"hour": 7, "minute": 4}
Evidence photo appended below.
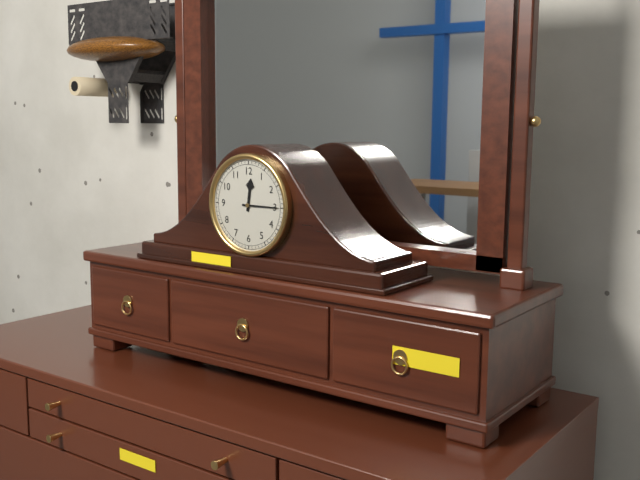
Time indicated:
{"hour": 12, "minute": 15}
